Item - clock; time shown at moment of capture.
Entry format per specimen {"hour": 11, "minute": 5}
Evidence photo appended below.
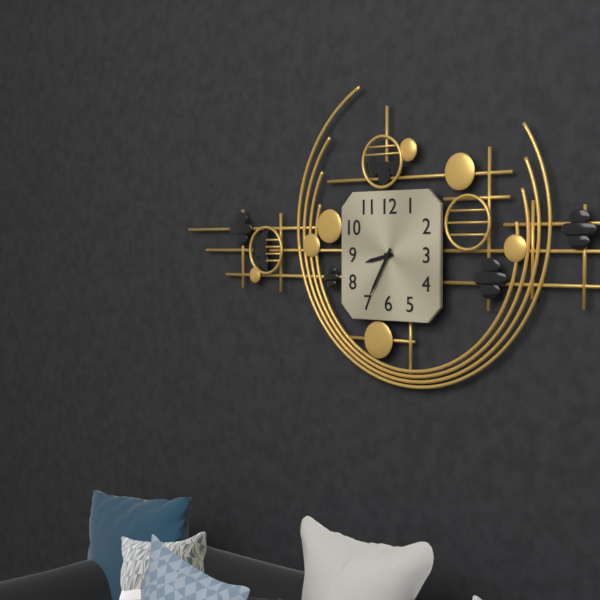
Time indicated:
{"hour": 8, "minute": 35}
